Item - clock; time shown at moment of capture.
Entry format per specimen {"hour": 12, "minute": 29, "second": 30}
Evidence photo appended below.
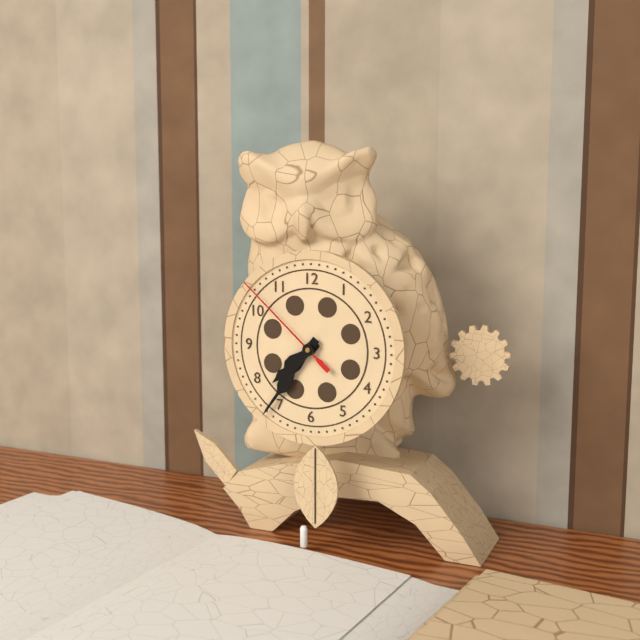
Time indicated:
{"hour": 7, "minute": 36, "second": 52}
